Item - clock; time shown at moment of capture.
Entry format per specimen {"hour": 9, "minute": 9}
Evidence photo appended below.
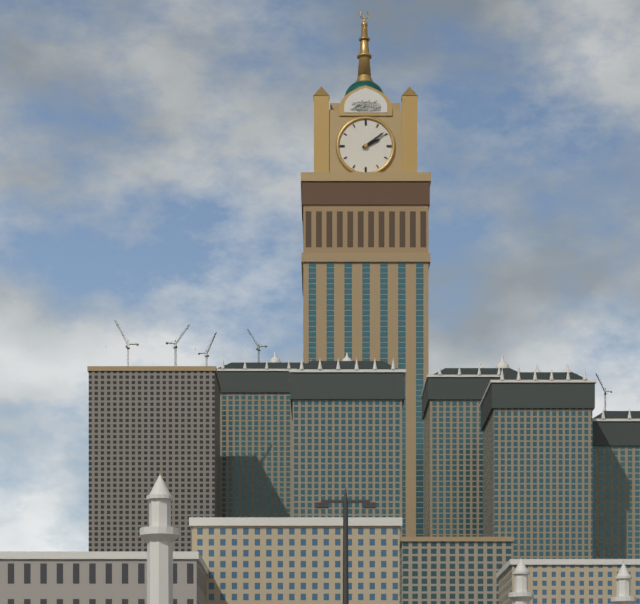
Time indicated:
{"hour": 2, "minute": 9}
